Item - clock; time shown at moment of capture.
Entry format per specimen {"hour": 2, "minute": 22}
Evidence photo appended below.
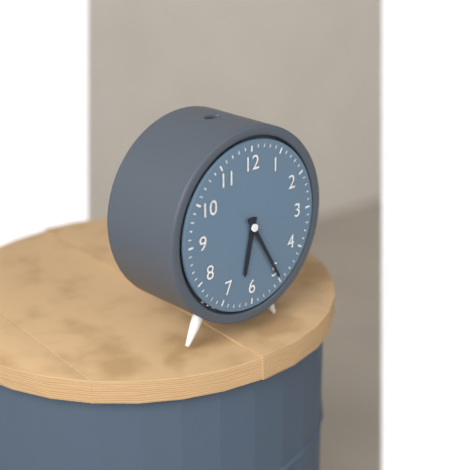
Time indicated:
{"hour": 6, "minute": 25}
